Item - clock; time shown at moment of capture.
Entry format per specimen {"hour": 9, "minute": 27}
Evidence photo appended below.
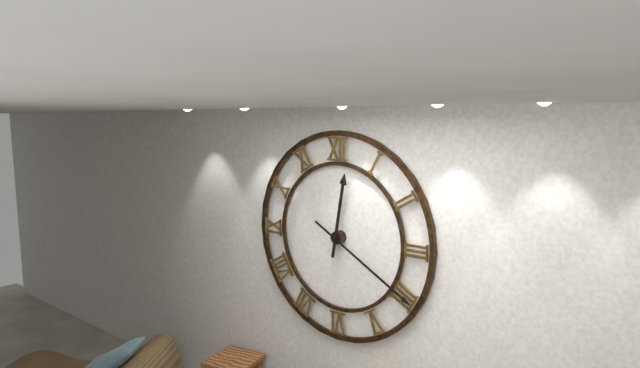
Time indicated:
{"hour": 12, "minute": 20}
